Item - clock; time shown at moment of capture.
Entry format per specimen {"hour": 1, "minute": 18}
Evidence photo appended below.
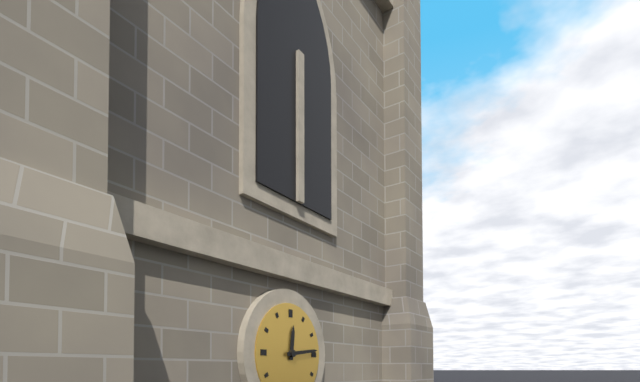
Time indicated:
{"hour": 12, "minute": 14}
